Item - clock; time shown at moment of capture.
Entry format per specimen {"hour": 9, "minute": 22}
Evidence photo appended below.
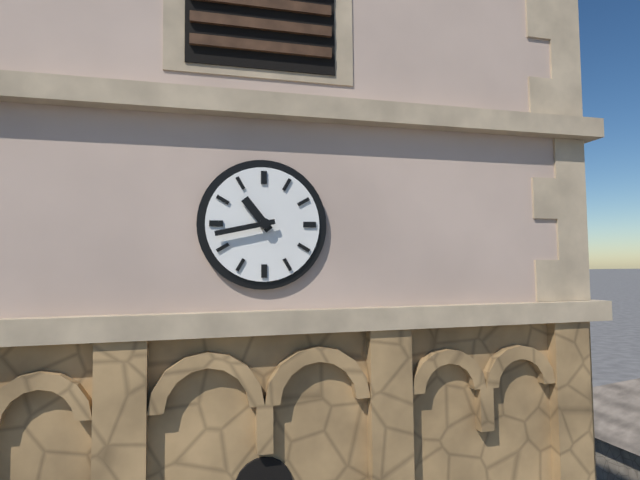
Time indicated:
{"hour": 10, "minute": 43}
